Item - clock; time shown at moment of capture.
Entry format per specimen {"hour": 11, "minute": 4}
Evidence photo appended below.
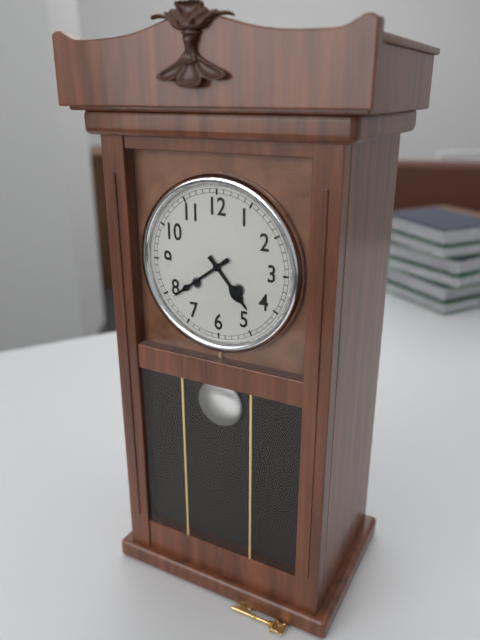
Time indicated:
{"hour": 4, "minute": 39}
